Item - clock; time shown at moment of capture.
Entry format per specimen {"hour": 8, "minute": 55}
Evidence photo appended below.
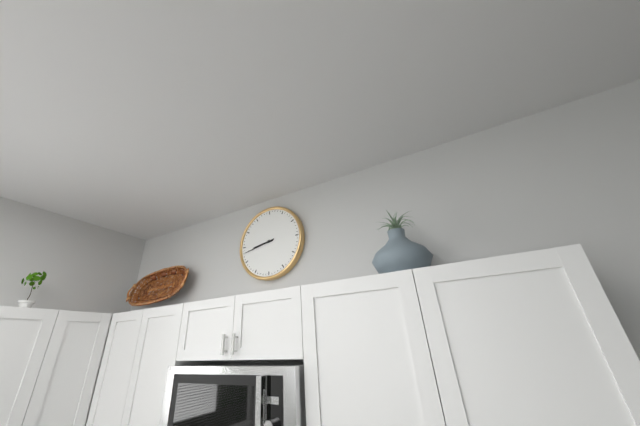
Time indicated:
{"hour": 8, "minute": 43}
